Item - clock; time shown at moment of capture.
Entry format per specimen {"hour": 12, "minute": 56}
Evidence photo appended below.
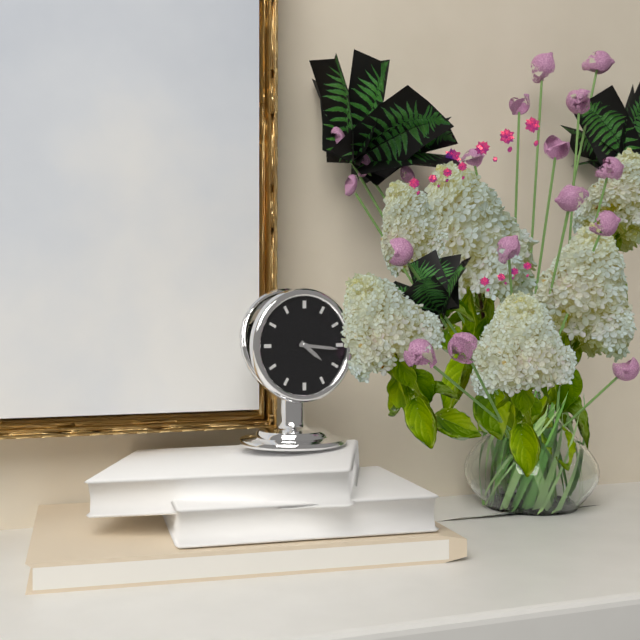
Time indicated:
{"hour": 4, "minute": 16}
